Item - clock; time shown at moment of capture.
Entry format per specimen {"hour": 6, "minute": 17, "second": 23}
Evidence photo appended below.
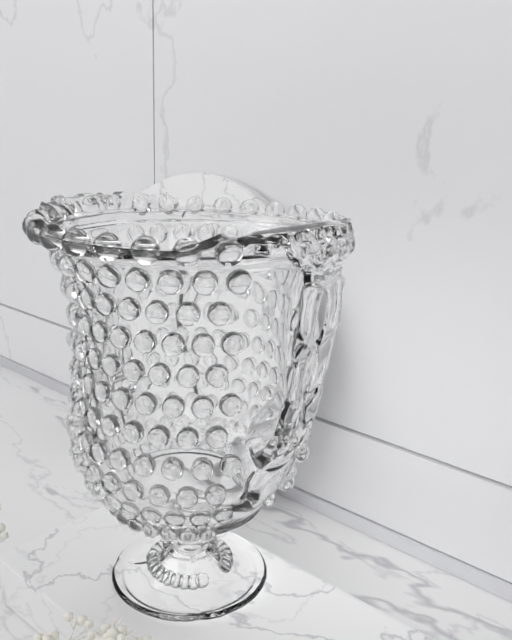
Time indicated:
{"hour": 4, "minute": 58, "second": 5}
